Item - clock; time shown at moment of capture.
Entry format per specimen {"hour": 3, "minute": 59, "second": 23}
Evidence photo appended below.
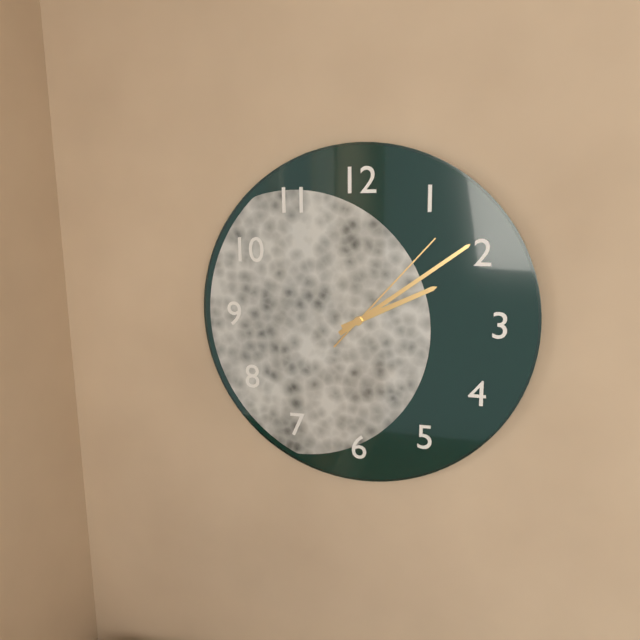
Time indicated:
{"hour": 2, "minute": 9, "second": 7}
